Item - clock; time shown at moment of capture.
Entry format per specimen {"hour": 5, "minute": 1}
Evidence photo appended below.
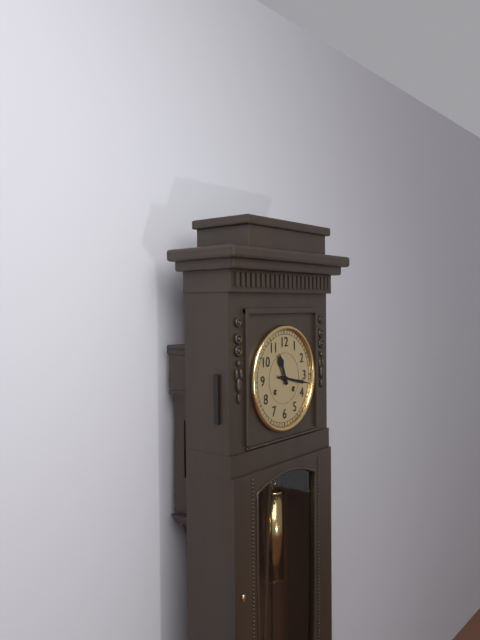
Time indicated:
{"hour": 11, "minute": 17}
